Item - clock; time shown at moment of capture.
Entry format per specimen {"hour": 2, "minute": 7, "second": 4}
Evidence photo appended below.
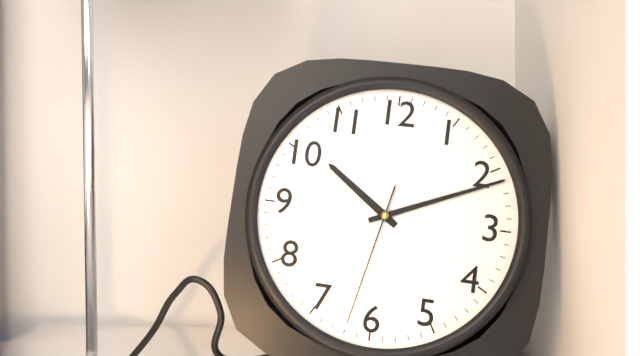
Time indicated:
{"hour": 10, "minute": 11, "second": 32}
